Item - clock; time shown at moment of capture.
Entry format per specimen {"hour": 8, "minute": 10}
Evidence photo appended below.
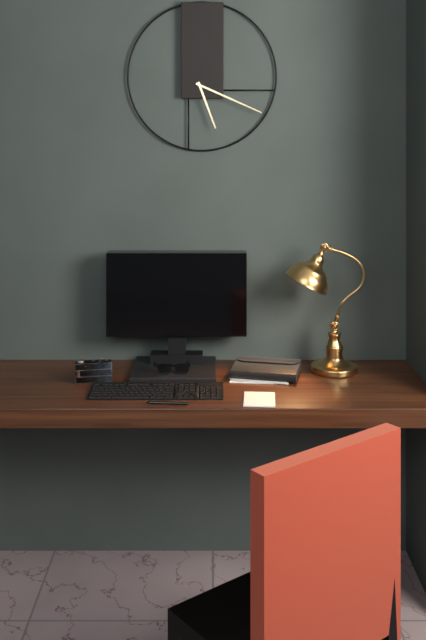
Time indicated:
{"hour": 5, "minute": 19}
